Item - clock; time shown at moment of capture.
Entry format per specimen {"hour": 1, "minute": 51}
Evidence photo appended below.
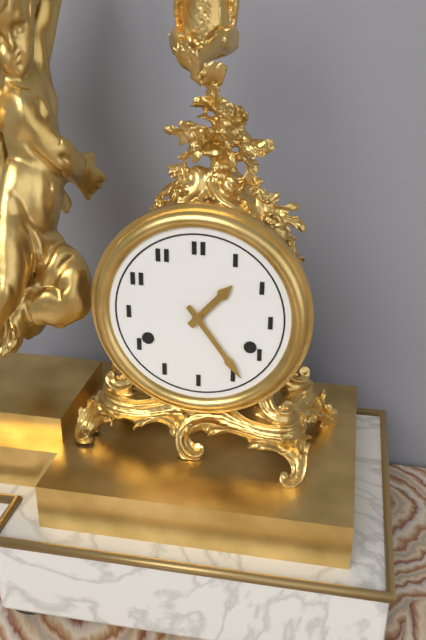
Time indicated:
{"hour": 1, "minute": 24}
